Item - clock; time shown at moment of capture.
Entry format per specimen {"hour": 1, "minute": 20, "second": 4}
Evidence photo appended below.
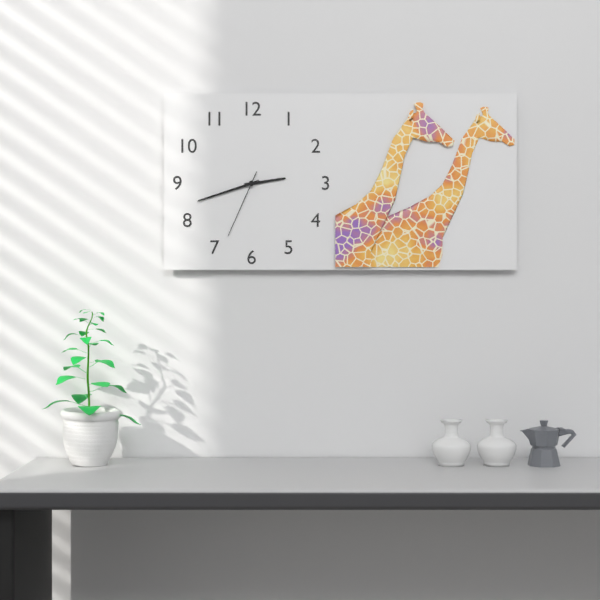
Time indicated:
{"hour": 2, "minute": 42, "second": 34}
